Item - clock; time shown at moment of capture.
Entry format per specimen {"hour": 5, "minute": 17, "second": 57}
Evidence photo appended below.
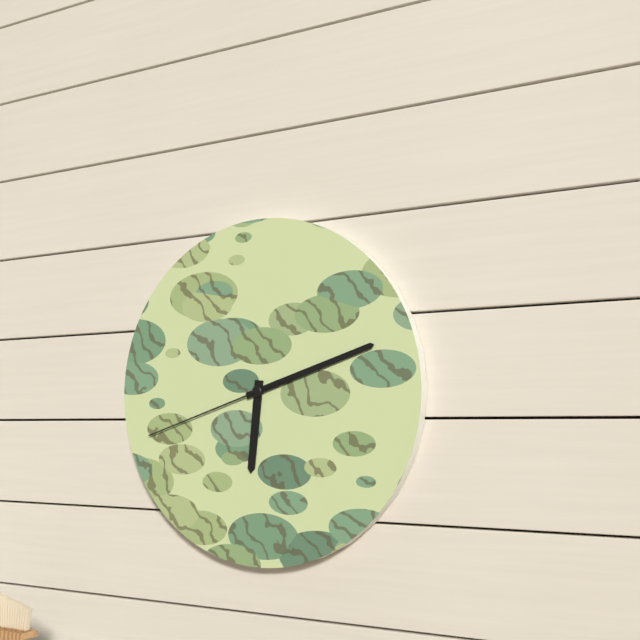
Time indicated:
{"hour": 6, "minute": 12, "second": 42}
